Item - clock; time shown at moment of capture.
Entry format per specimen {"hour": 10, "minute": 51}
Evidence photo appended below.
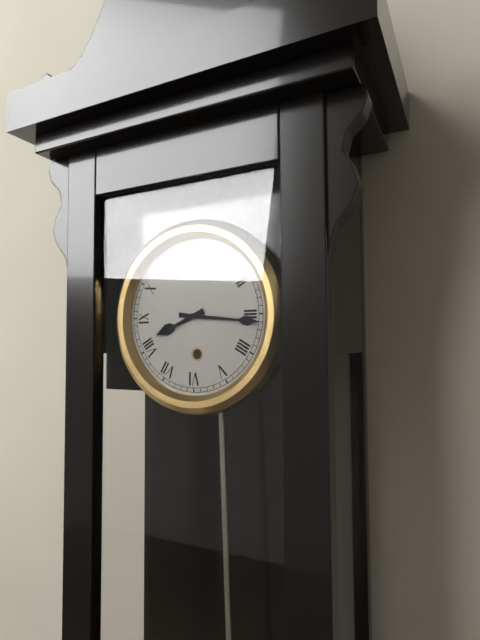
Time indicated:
{"hour": 8, "minute": 16}
